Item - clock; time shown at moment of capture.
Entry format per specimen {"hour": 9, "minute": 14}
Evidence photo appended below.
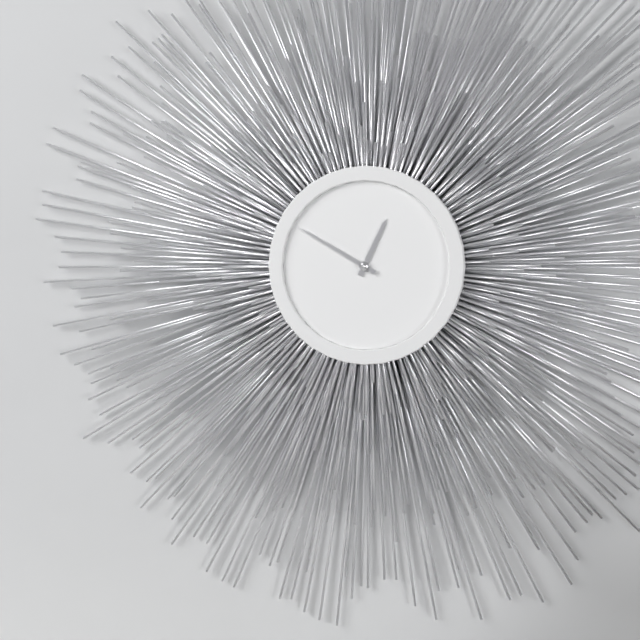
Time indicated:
{"hour": 12, "minute": 50}
